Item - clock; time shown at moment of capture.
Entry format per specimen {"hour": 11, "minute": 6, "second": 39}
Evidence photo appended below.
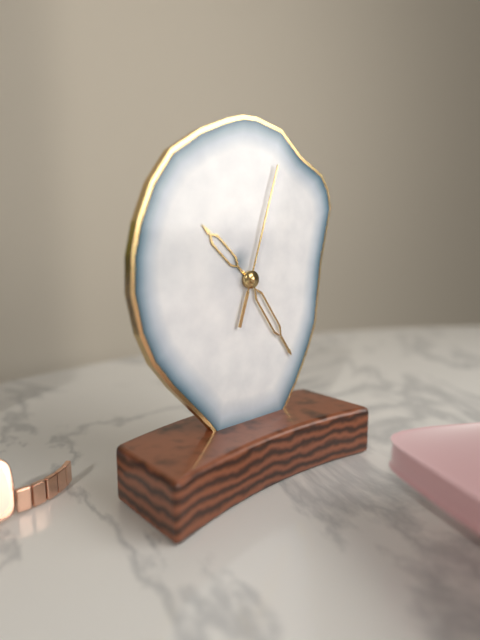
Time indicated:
{"hour": 10, "minute": 24, "second": 3}
